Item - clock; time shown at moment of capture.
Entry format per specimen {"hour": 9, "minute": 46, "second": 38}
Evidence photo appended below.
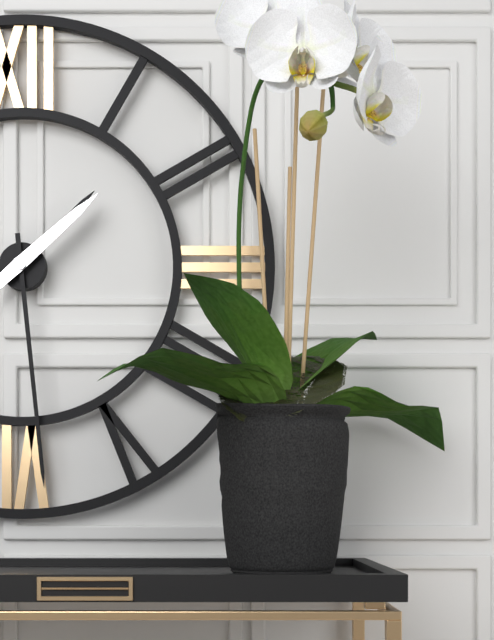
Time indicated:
{"hour": 1, "minute": 29, "second": 8}
